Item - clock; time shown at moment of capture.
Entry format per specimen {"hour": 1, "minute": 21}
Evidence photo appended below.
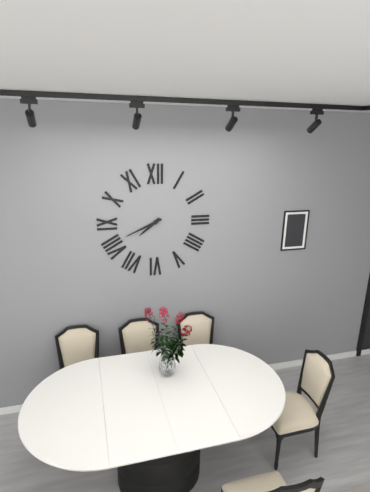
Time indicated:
{"hour": 7, "minute": 41}
